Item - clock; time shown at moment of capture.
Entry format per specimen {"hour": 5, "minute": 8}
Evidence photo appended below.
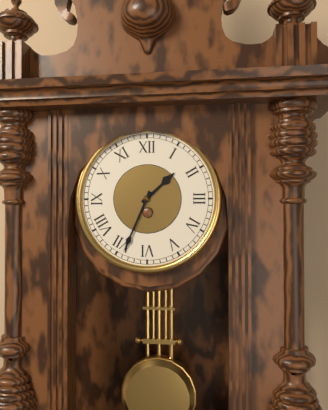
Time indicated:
{"hour": 1, "minute": 34}
